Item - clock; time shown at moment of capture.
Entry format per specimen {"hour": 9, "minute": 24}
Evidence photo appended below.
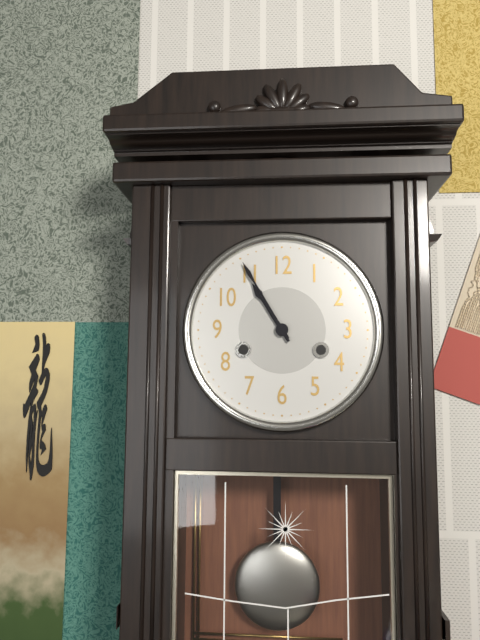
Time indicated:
{"hour": 10, "minute": 55}
